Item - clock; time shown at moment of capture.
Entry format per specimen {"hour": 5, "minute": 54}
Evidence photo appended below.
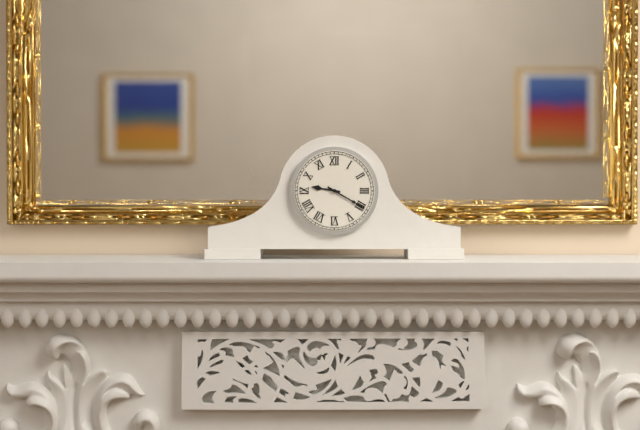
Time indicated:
{"hour": 9, "minute": 20}
